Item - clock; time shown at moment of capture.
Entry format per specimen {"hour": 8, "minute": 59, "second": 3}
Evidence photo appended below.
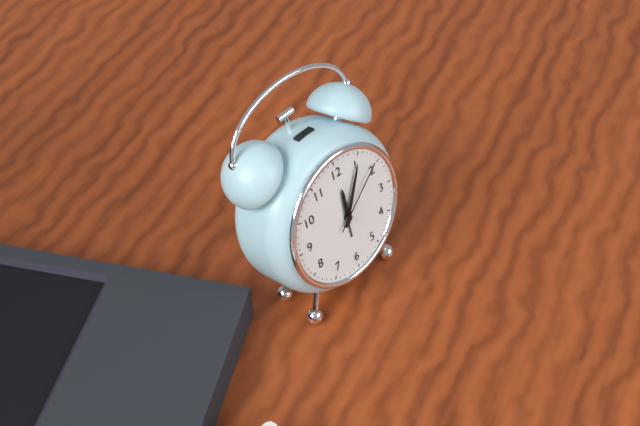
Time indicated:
{"hour": 12, "minute": 5, "second": 9}
